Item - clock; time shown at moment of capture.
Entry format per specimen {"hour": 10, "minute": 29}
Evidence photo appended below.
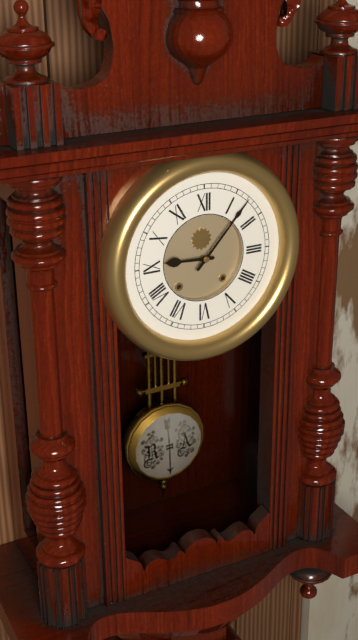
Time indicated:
{"hour": 9, "minute": 7}
